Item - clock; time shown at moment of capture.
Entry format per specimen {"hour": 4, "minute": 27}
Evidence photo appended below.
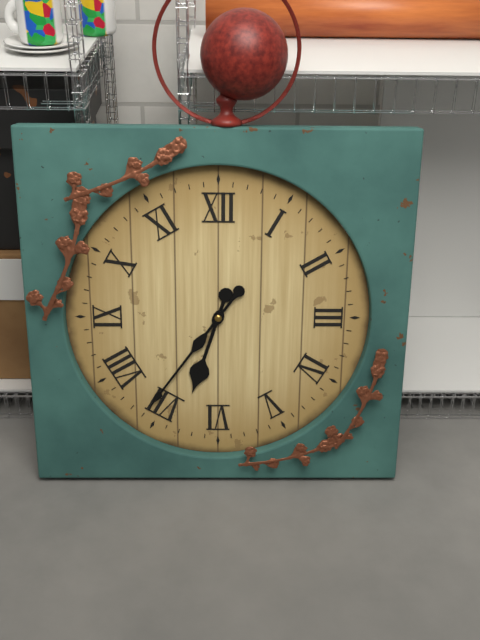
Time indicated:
{"hour": 6, "minute": 36}
